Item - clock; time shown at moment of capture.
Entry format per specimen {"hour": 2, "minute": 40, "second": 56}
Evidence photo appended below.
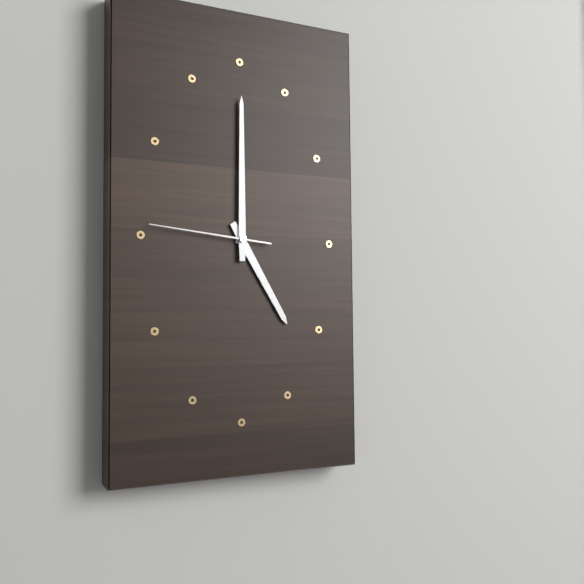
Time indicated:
{"hour": 5, "minute": 0, "second": 46}
